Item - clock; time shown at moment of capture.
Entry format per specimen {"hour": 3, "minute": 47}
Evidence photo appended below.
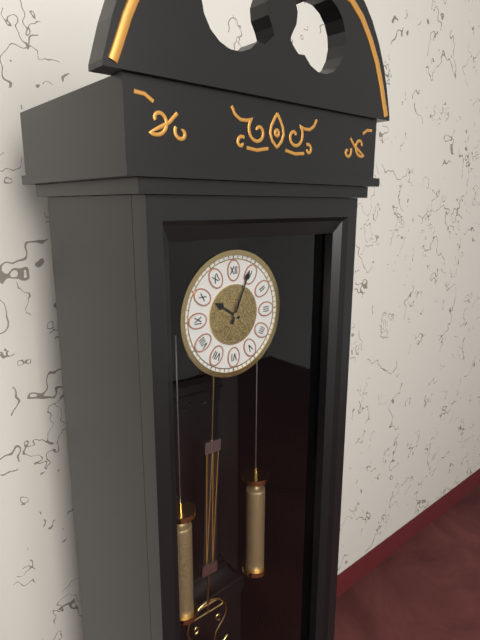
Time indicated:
{"hour": 10, "minute": 4}
